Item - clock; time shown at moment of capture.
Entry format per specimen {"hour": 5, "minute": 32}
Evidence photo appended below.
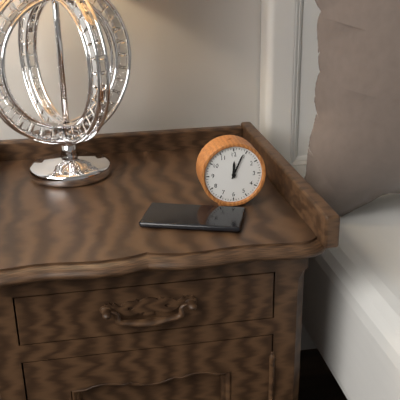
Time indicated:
{"hour": 12, "minute": 4}
